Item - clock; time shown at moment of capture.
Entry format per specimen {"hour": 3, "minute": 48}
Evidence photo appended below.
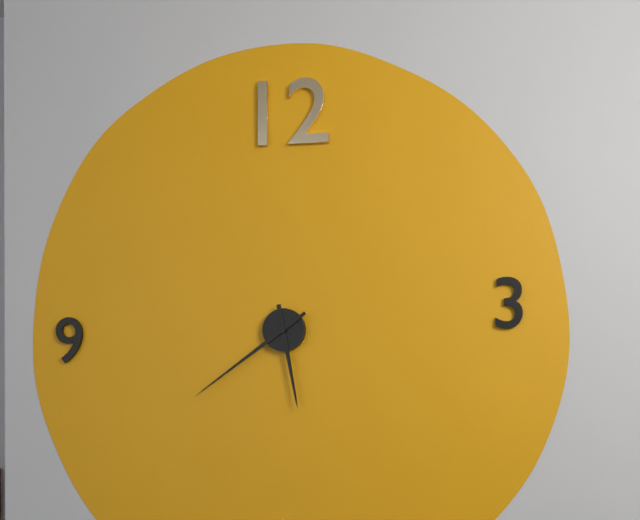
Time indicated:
{"hour": 5, "minute": 39}
